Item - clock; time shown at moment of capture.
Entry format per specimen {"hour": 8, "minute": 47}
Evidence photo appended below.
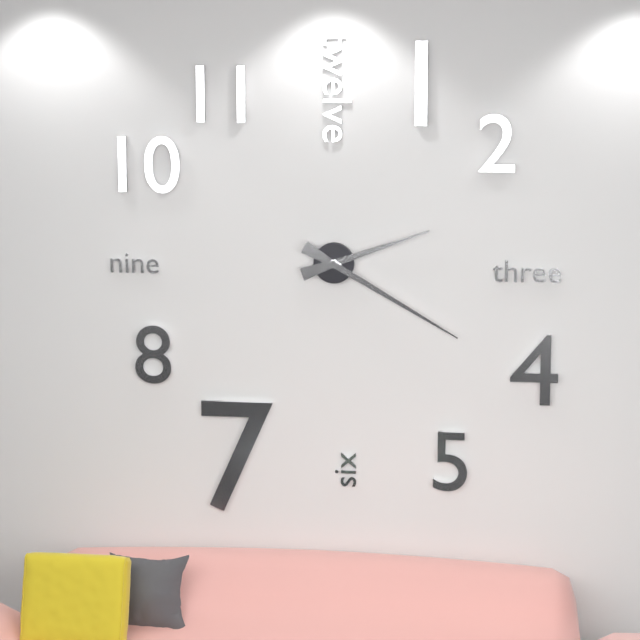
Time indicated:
{"hour": 2, "minute": 20}
